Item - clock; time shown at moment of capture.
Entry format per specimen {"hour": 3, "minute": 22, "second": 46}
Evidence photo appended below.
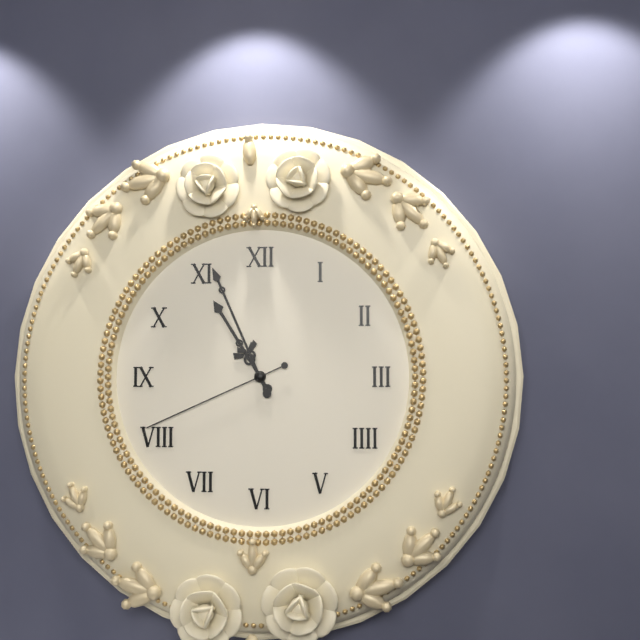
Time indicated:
{"hour": 10, "minute": 56, "second": 41}
